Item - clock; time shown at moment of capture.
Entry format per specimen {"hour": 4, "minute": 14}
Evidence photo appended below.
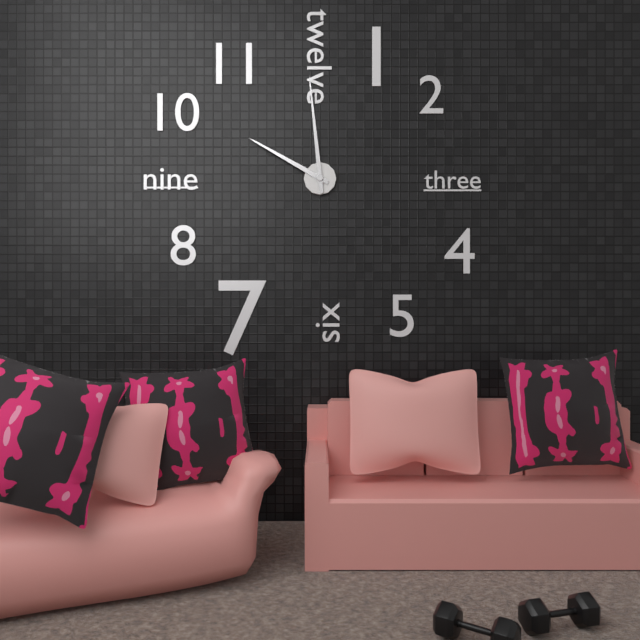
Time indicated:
{"hour": 9, "minute": 59}
